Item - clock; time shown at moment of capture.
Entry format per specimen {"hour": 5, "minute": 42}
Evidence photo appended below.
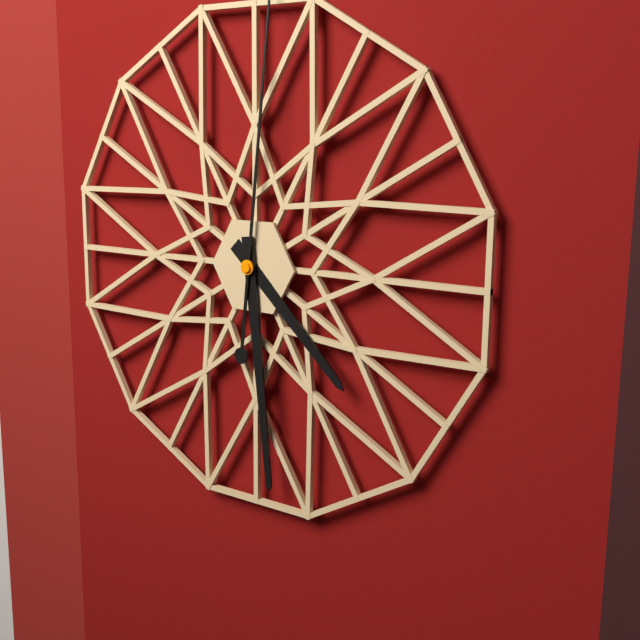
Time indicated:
{"hour": 4, "minute": 29}
